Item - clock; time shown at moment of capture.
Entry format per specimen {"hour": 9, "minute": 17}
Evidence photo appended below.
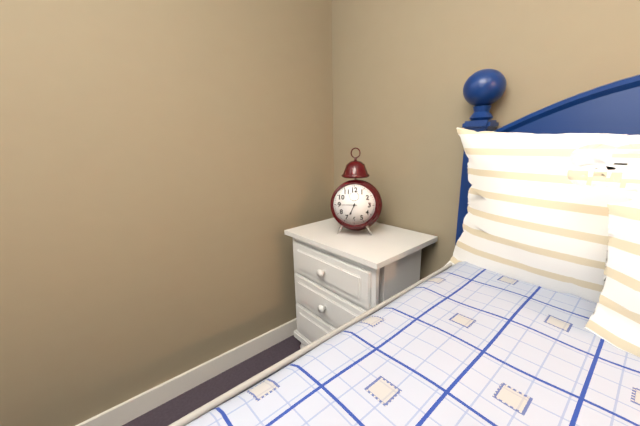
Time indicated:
{"hour": 6, "minute": 45}
